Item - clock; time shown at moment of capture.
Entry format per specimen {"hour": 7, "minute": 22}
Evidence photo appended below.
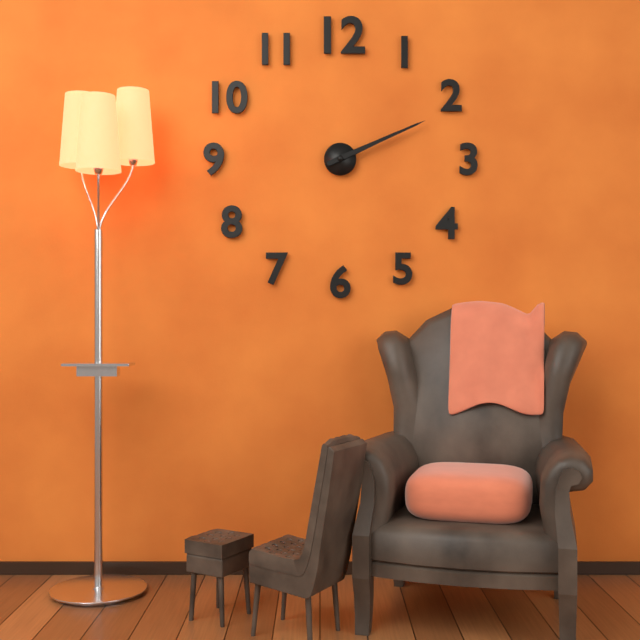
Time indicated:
{"hour": 2, "minute": 11}
